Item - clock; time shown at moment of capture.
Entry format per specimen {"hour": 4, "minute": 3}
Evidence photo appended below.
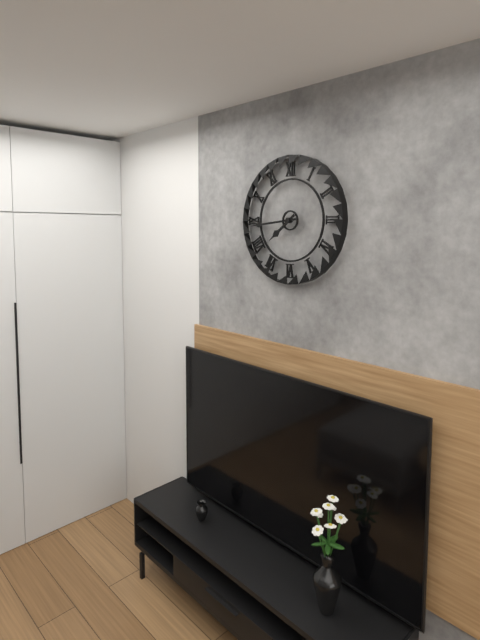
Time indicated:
{"hour": 7, "minute": 44}
